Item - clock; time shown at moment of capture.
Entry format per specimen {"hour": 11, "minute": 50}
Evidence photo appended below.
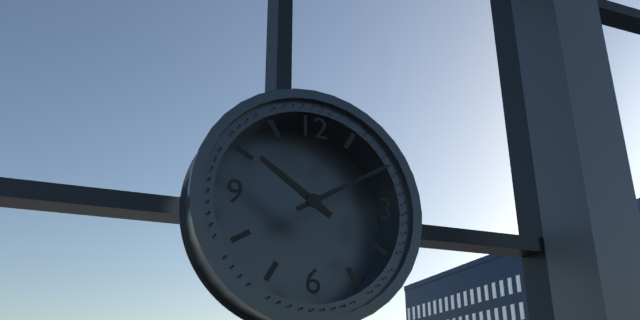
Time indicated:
{"hour": 10, "minute": 10}
